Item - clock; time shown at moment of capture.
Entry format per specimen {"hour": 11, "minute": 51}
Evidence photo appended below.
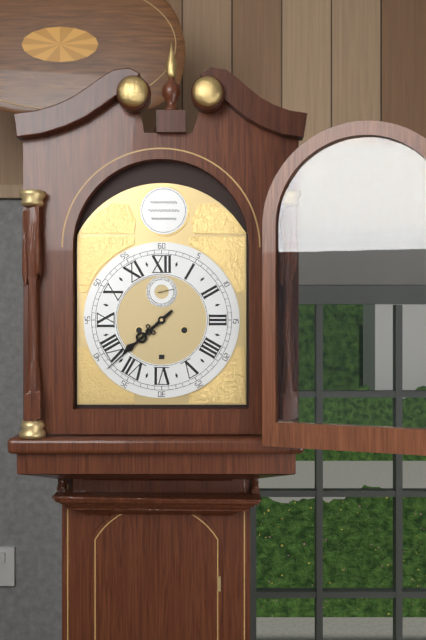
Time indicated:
{"hour": 7, "minute": 38}
